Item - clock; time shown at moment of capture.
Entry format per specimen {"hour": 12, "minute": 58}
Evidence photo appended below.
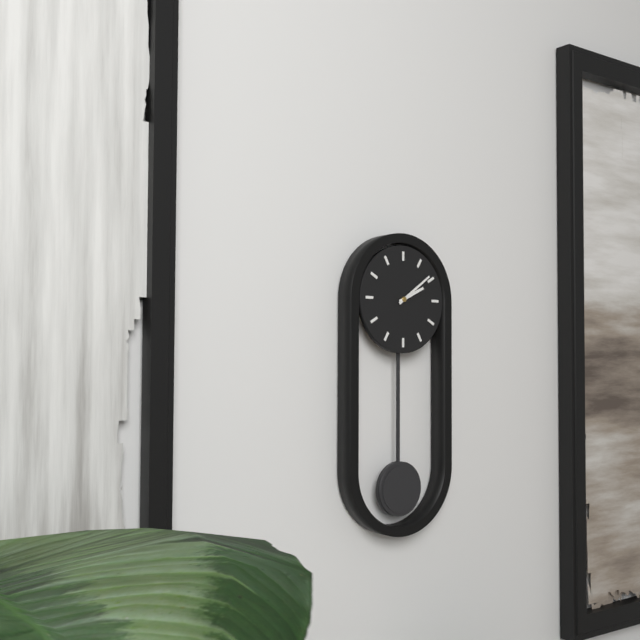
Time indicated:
{"hour": 2, "minute": 9}
